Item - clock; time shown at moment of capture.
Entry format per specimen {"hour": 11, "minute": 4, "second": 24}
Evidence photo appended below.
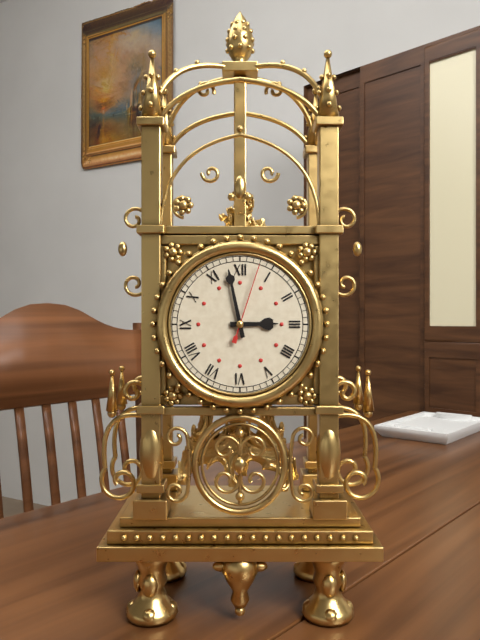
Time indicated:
{"hour": 2, "minute": 58, "second": 3}
